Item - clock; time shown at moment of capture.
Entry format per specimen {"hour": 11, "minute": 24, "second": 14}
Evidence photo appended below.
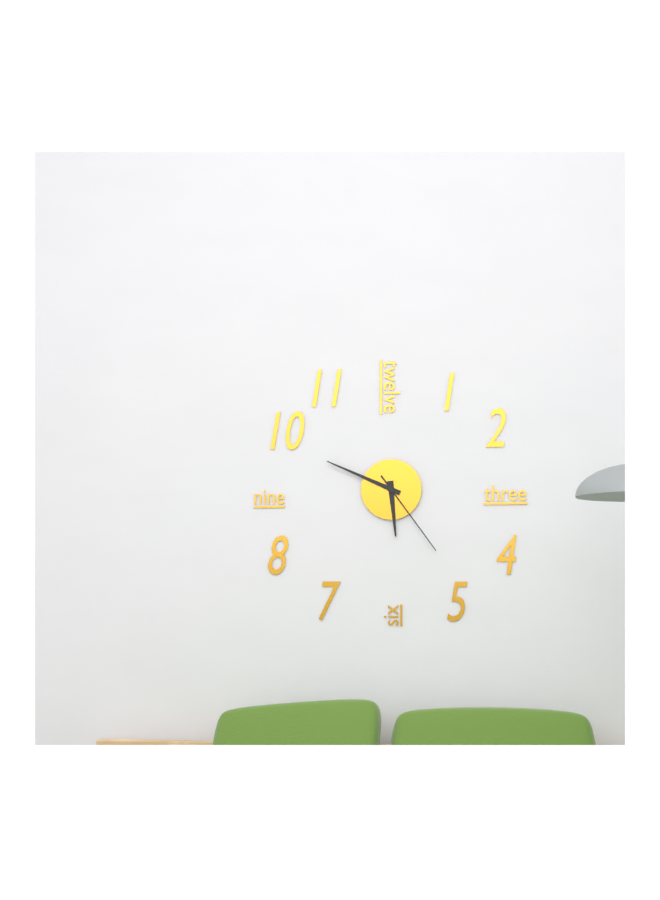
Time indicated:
{"hour": 5, "minute": 49, "second": 24}
